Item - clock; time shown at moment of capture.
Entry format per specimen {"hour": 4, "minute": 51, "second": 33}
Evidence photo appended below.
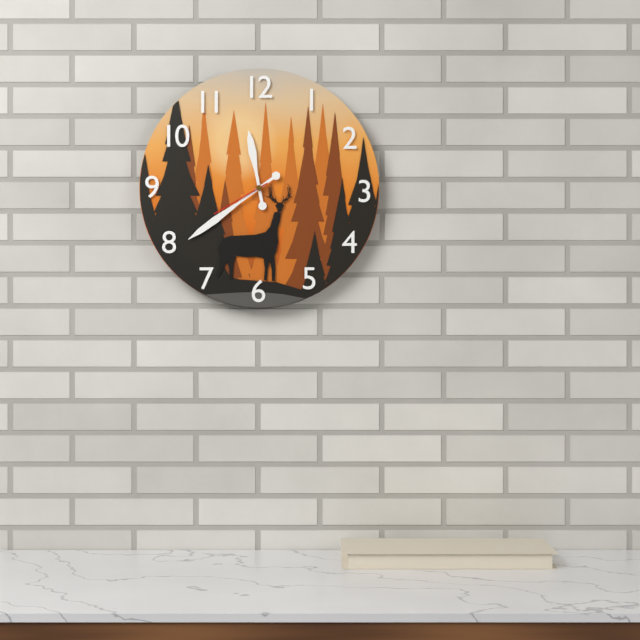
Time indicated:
{"hour": 11, "minute": 39, "second": 40}
